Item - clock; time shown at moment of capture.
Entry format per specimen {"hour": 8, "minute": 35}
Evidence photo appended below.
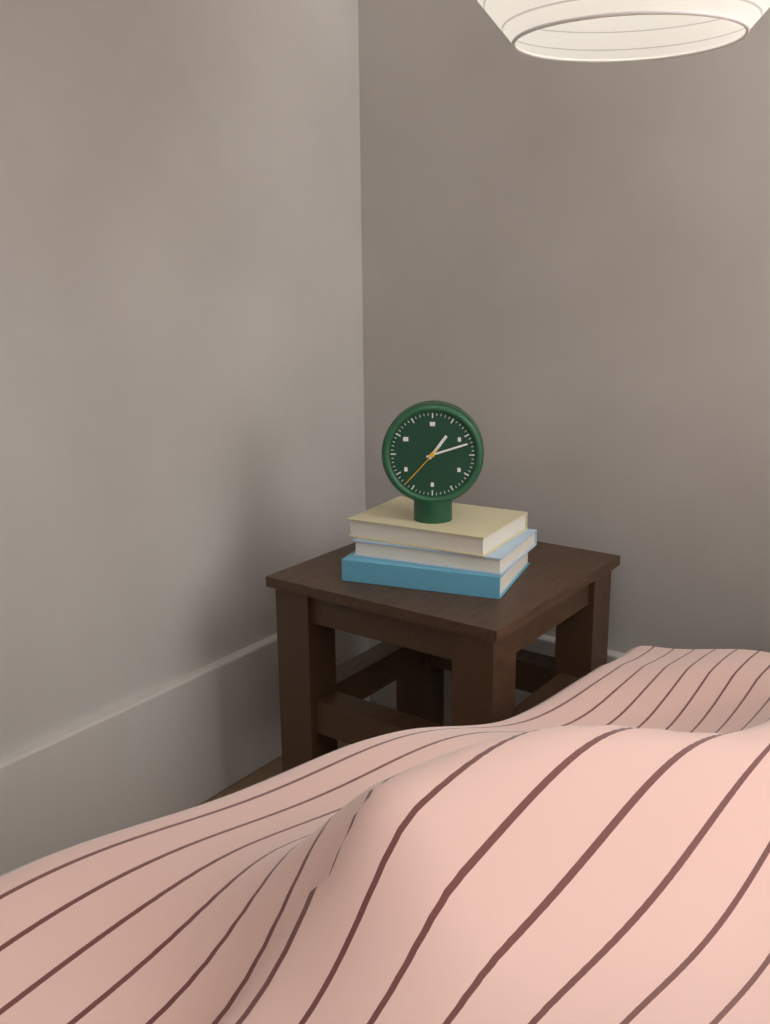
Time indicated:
{"hour": 1, "minute": 12}
